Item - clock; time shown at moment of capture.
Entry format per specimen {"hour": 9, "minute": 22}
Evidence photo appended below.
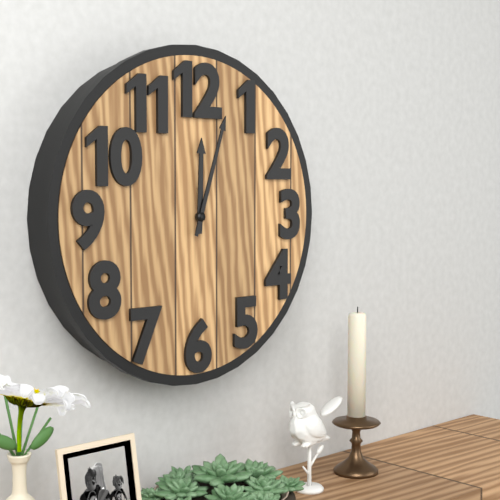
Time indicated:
{"hour": 12, "minute": 3}
